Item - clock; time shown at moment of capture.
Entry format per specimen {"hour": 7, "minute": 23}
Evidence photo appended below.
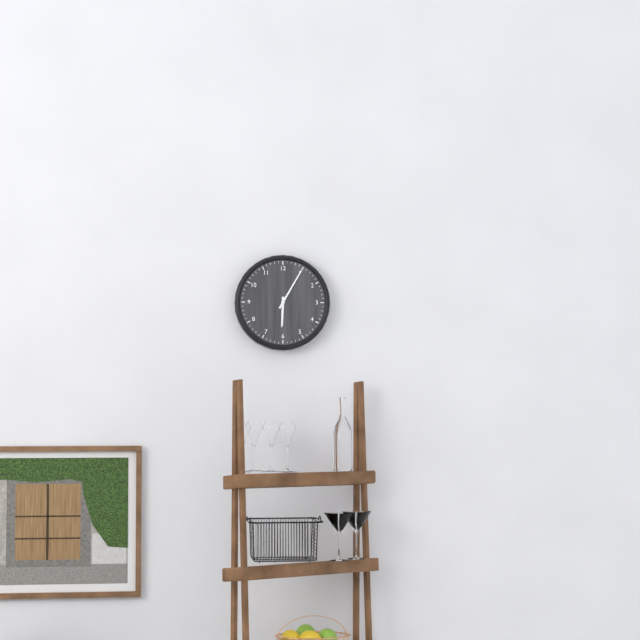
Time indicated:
{"hour": 6, "minute": 5}
